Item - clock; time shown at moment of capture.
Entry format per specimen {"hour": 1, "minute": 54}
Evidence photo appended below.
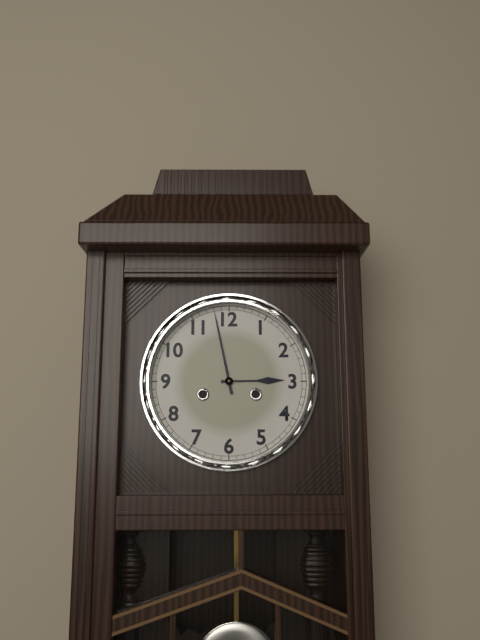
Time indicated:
{"hour": 2, "minute": 58}
